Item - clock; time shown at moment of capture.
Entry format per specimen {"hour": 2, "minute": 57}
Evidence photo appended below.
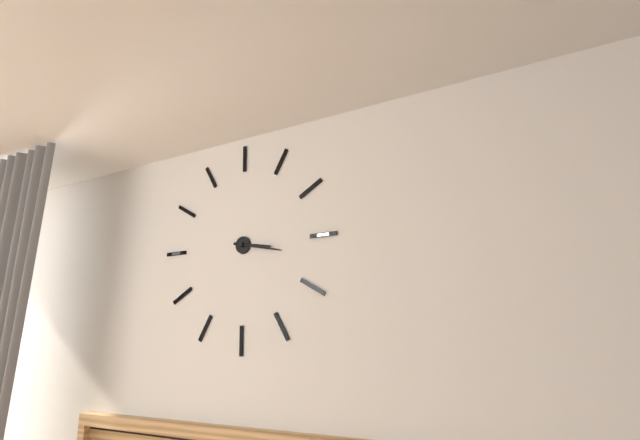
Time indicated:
{"hour": 3, "minute": 17}
